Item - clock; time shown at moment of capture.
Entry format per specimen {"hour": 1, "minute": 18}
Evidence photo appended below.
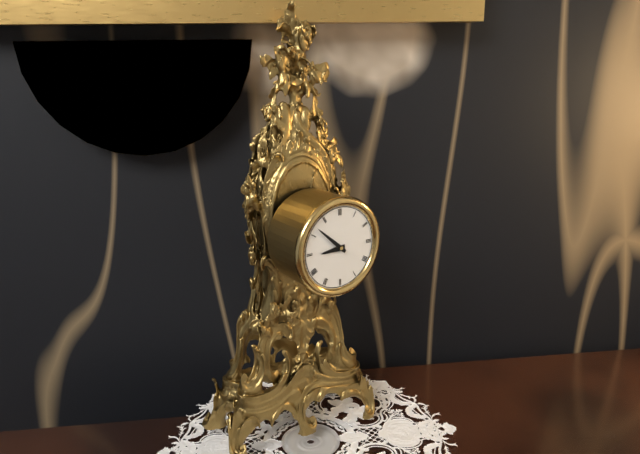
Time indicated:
{"hour": 8, "minute": 52}
